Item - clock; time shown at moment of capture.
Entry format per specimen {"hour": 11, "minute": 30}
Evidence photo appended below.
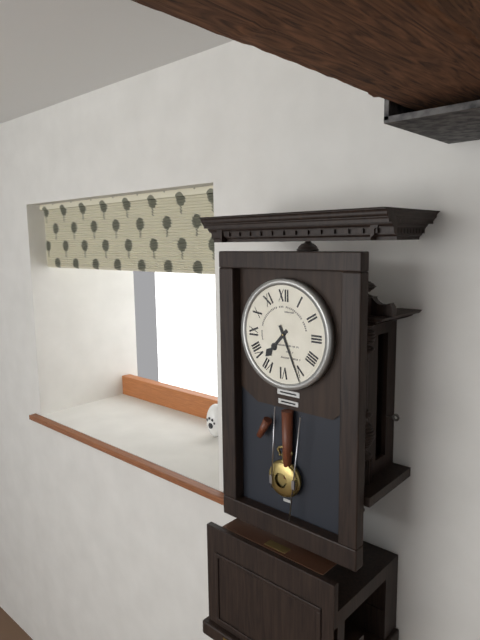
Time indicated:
{"hour": 7, "minute": 26}
